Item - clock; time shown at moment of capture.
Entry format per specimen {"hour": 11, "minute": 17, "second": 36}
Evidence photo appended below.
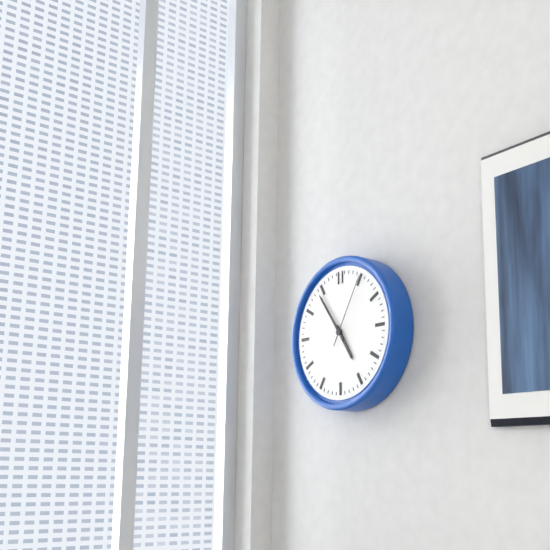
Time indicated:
{"hour": 4, "minute": 54, "second": 5}
